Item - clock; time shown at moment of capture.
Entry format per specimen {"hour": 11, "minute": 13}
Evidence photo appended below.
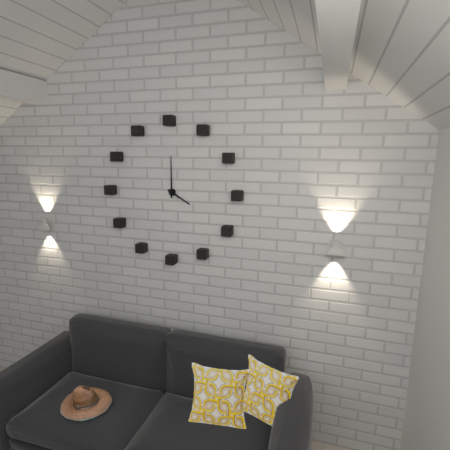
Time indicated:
{"hour": 4, "minute": 0}
